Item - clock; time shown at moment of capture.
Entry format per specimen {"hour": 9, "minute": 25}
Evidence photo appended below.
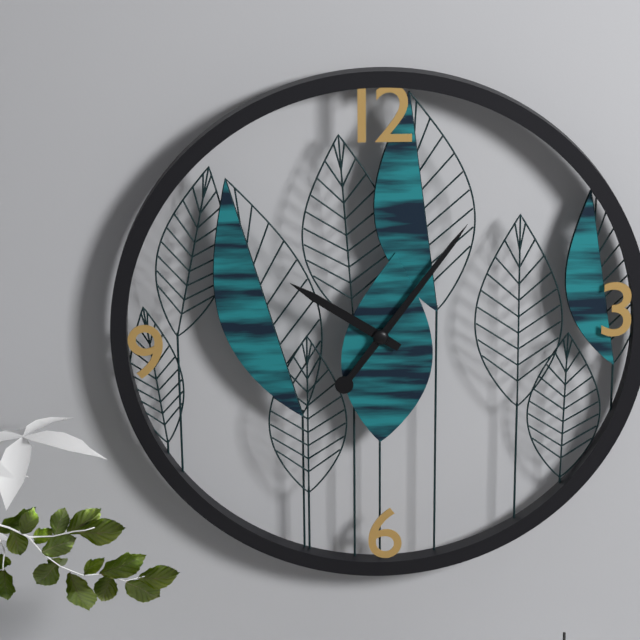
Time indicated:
{"hour": 10, "minute": 6}
